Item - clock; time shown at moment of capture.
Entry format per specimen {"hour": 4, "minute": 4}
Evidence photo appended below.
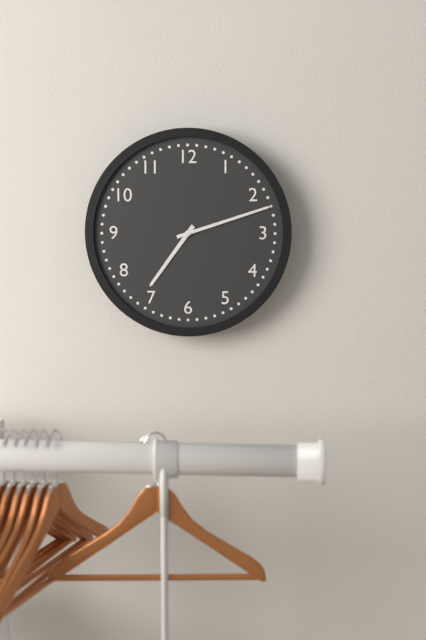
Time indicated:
{"hour": 7, "minute": 12}
